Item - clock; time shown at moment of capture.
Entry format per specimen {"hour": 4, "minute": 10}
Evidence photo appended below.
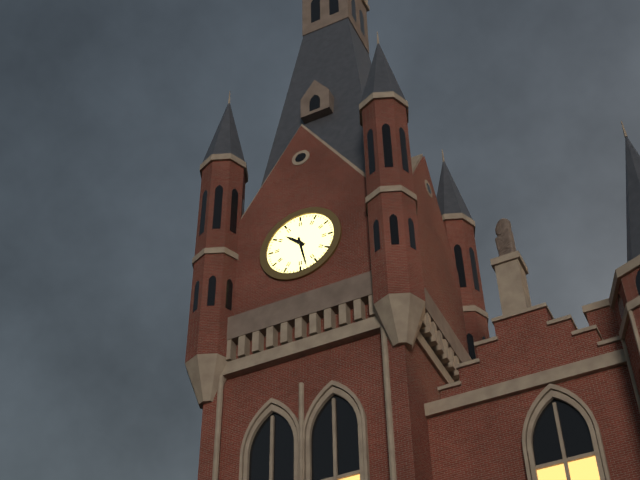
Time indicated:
{"hour": 10, "minute": 28}
